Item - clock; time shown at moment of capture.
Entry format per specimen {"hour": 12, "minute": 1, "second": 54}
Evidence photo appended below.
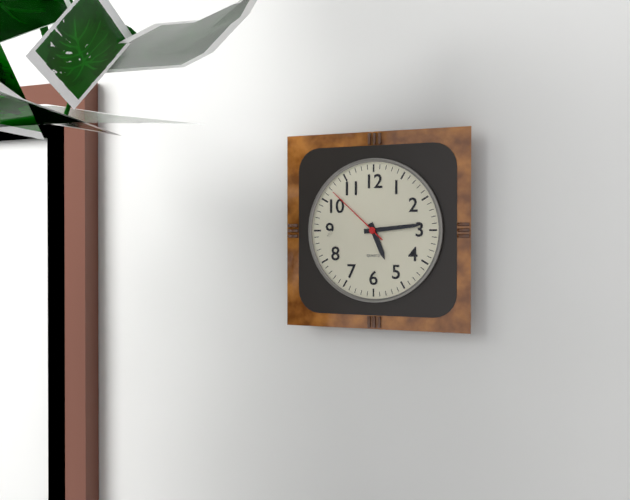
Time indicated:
{"hour": 5, "minute": 14, "second": 52}
